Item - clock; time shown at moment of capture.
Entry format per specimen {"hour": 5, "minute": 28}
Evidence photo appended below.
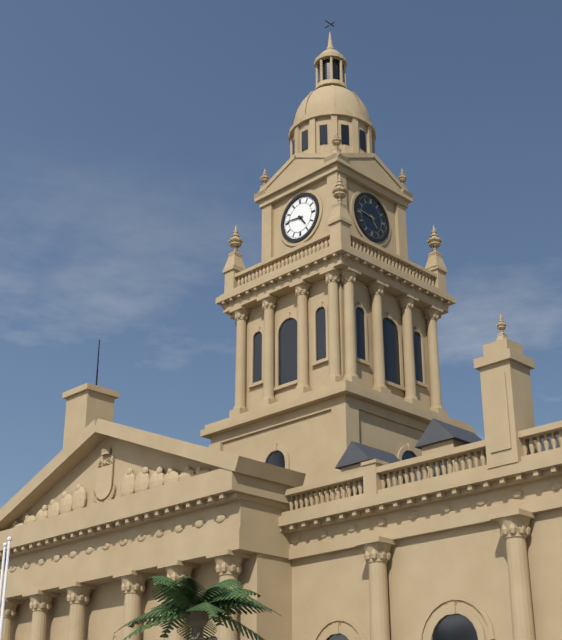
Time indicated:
{"hour": 4, "minute": 46}
